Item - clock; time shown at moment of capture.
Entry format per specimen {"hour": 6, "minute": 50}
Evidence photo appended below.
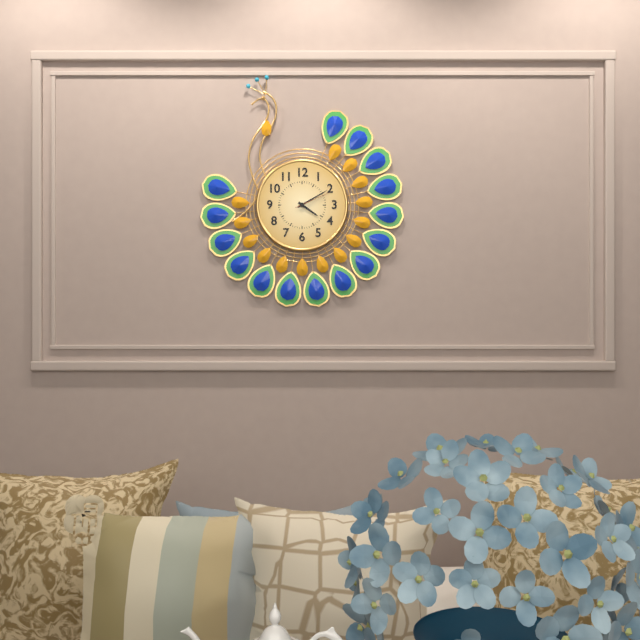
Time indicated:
{"hour": 4, "minute": 10}
